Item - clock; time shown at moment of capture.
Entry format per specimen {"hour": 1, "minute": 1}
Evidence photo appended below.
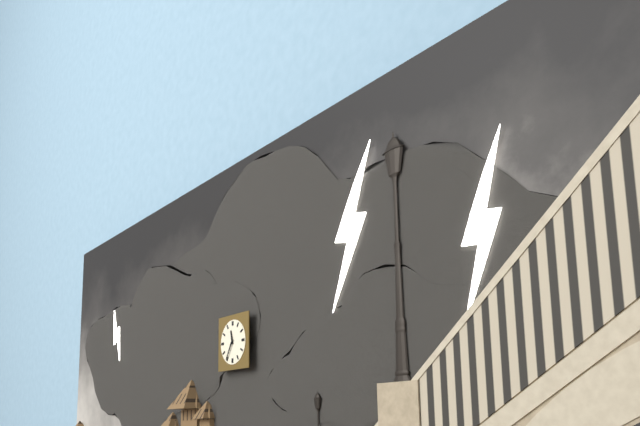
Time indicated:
{"hour": 11, "minute": 35}
